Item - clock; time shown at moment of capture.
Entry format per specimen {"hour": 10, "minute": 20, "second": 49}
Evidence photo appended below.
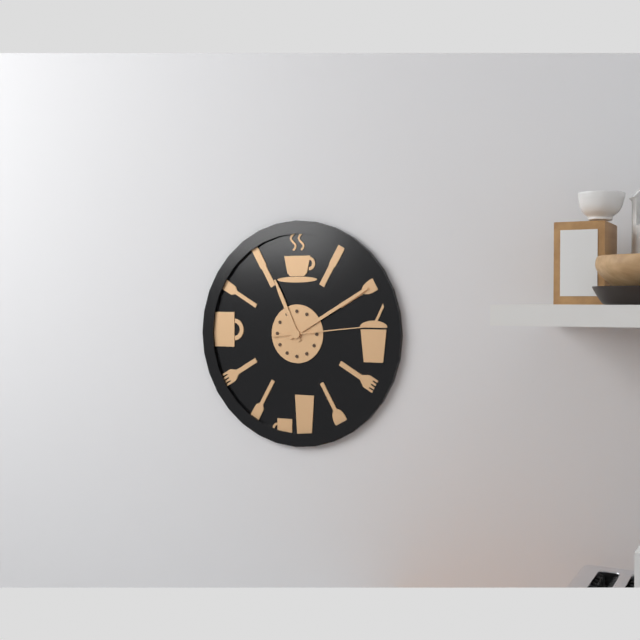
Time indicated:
{"hour": 11, "minute": 10, "second": 14}
